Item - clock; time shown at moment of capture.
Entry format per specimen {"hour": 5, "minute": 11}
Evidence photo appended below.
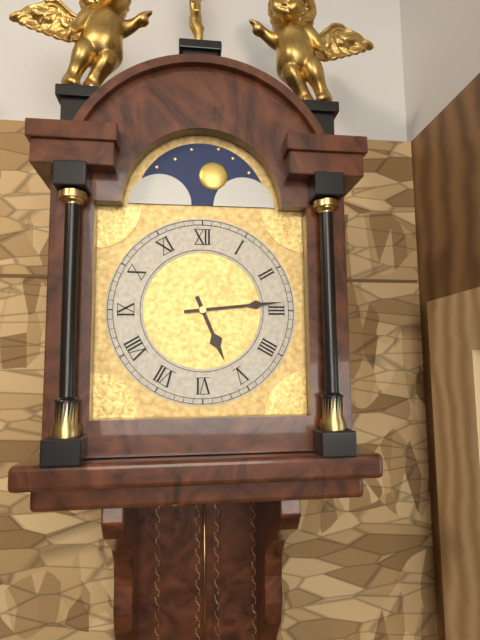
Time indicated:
{"hour": 5, "minute": 14}
